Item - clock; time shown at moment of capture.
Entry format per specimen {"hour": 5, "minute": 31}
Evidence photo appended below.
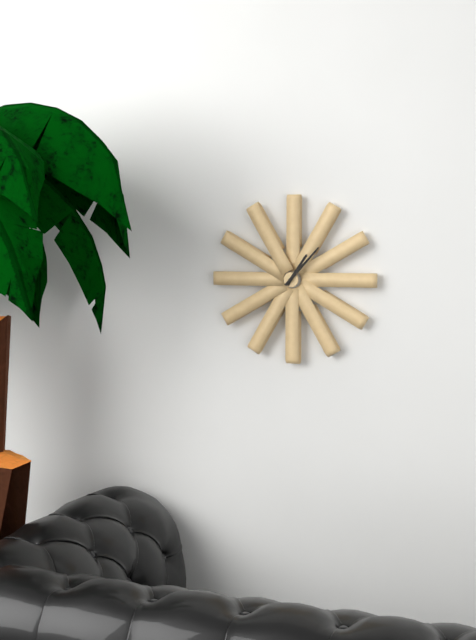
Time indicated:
{"hour": 1, "minute": 7}
